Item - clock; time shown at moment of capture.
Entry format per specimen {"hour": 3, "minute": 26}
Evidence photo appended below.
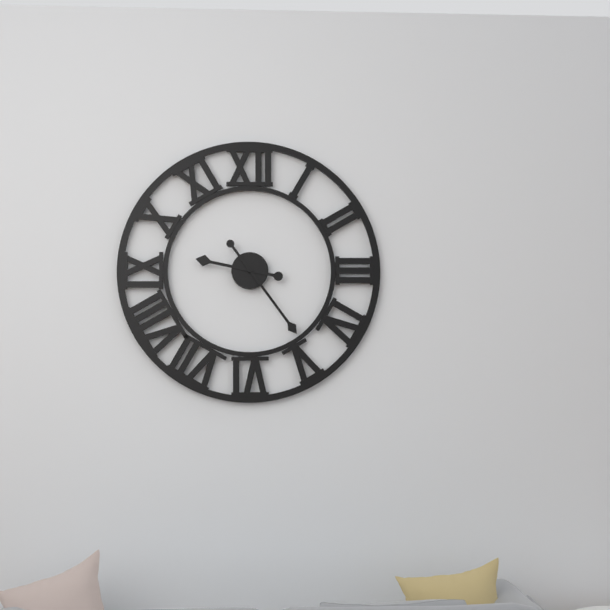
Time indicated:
{"hour": 9, "minute": 24}
